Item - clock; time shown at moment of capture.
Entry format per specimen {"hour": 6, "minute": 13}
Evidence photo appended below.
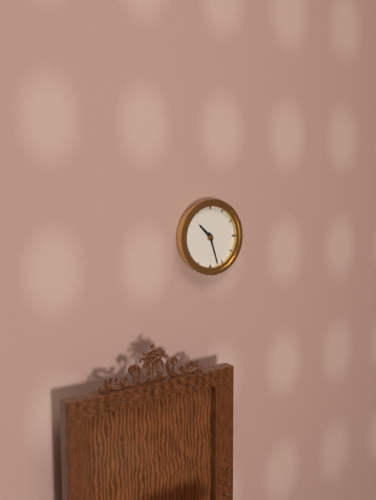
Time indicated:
{"hour": 10, "minute": 27}
